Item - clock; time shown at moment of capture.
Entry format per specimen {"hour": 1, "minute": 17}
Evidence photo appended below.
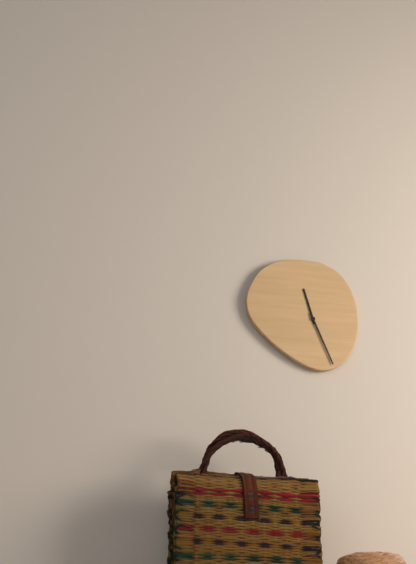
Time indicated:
{"hour": 11, "minute": 26}
